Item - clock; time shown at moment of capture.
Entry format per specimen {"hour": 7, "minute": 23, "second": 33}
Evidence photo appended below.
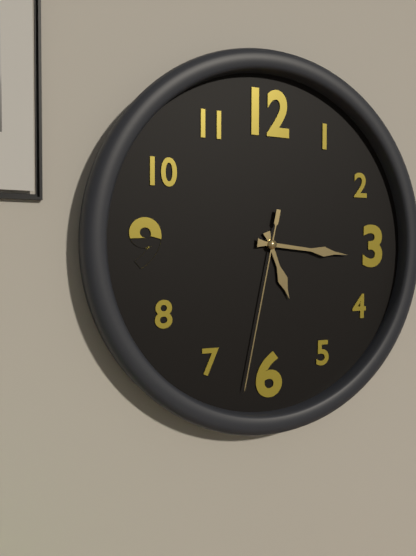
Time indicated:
{"hour": 5, "minute": 16, "second": 32}
